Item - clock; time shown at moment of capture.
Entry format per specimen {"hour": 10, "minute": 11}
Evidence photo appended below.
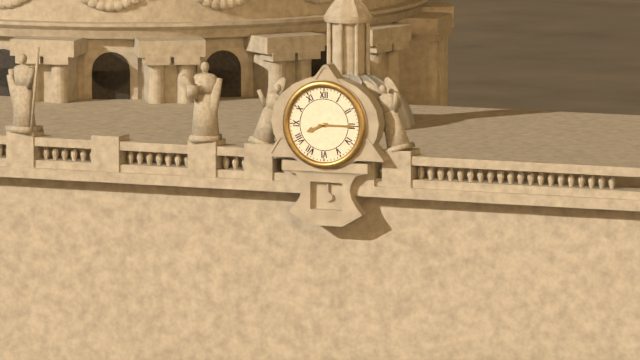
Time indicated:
{"hour": 8, "minute": 15}
